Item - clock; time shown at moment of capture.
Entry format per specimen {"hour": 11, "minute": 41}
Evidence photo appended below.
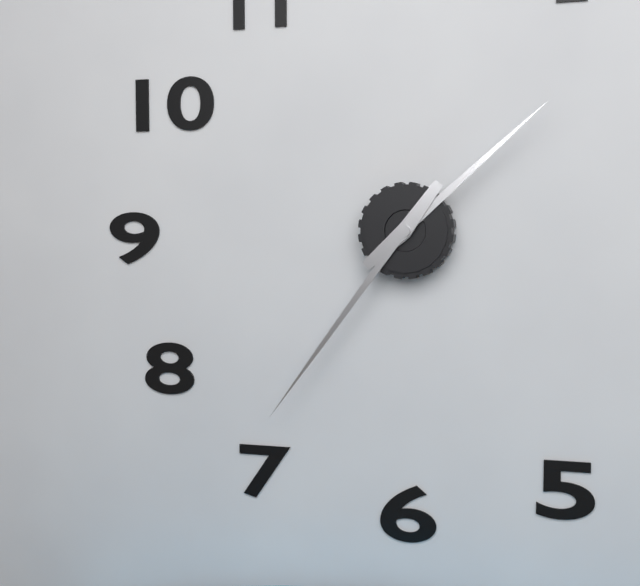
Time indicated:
{"hour": 1, "minute": 36}
